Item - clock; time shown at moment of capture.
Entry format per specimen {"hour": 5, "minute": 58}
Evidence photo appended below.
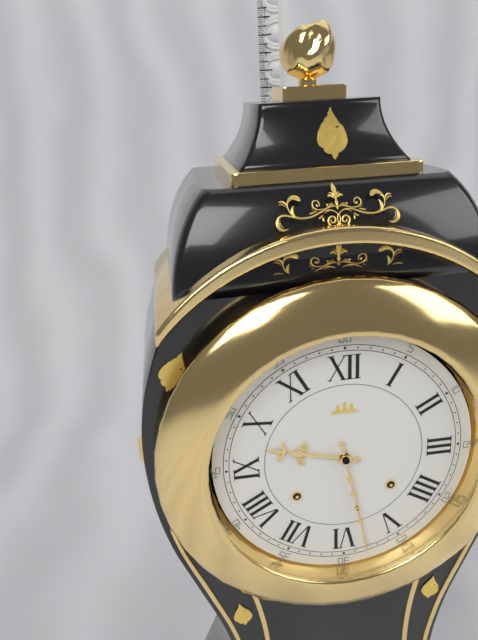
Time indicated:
{"hour": 9, "minute": 28}
